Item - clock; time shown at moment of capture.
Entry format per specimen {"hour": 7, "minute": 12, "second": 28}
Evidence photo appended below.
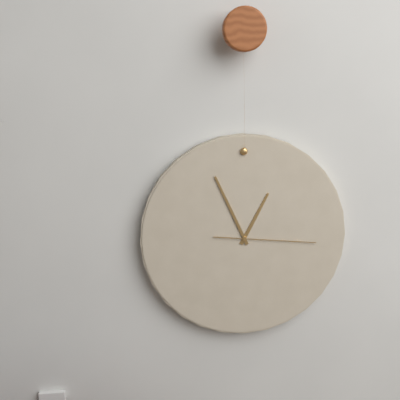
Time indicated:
{"hour": 12, "minute": 56, "second": 16}
